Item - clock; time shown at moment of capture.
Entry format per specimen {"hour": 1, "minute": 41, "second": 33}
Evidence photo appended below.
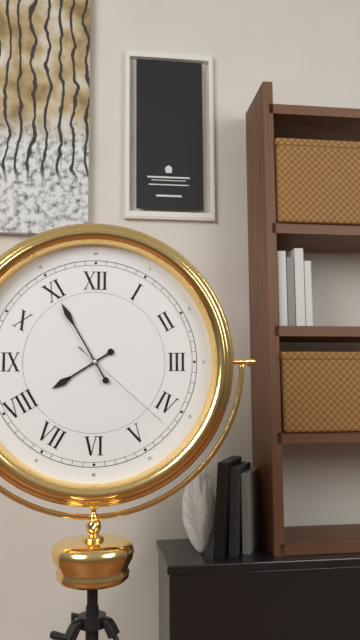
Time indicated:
{"hour": 7, "minute": 55, "second": 22}
